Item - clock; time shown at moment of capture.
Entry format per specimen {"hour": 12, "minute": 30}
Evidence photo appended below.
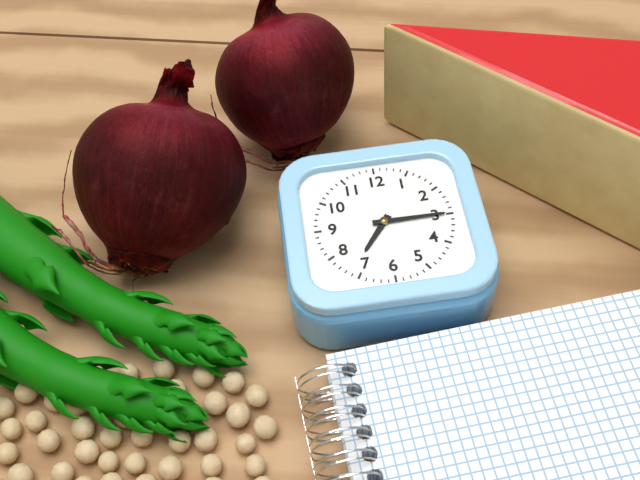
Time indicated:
{"hour": 7, "minute": 15}
